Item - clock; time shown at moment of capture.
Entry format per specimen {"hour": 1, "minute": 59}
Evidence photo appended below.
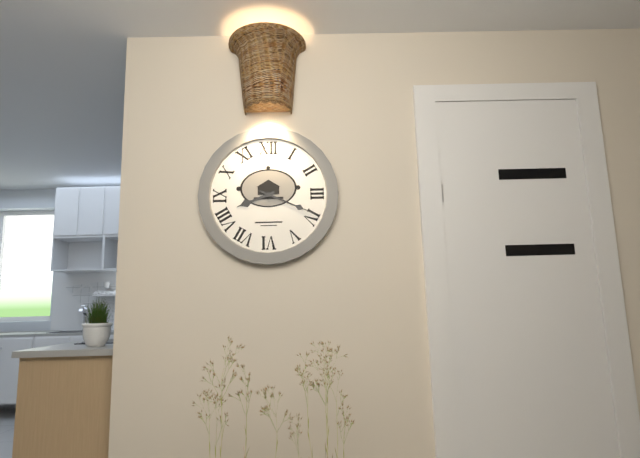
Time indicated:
{"hour": 8, "minute": 19}
